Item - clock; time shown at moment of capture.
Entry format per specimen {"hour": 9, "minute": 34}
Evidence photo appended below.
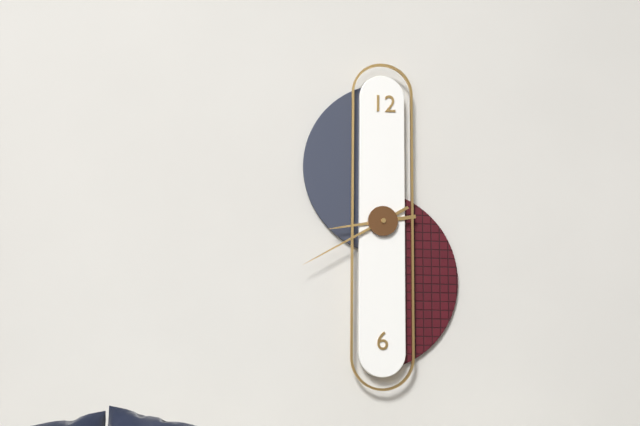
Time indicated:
{"hour": 8, "minute": 40}
